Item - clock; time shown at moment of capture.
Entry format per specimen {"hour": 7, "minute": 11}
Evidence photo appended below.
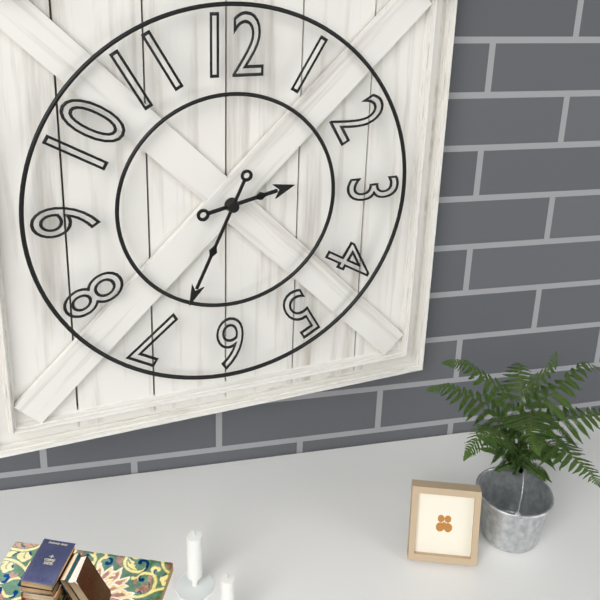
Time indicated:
{"hour": 2, "minute": 34}
